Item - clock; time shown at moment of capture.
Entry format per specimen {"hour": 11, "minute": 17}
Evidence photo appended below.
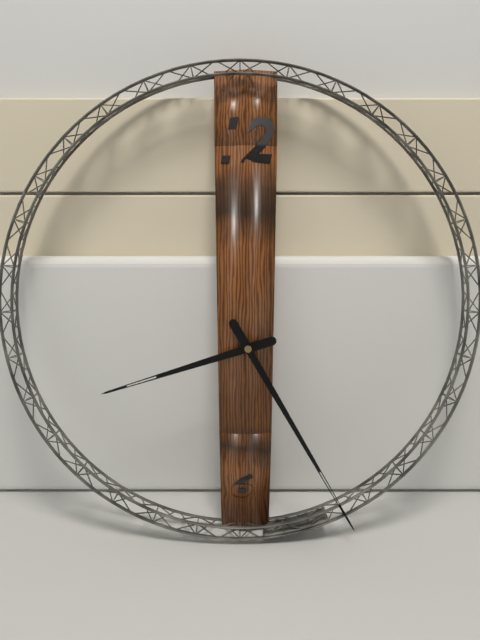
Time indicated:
{"hour": 8, "minute": 25}
